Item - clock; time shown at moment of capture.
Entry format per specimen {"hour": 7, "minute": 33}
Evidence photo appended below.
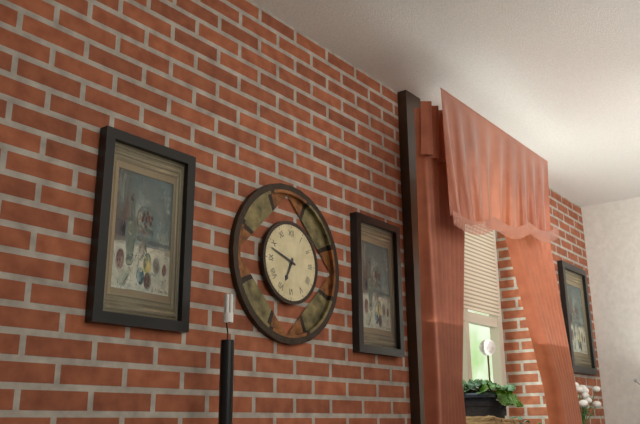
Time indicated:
{"hour": 6, "minute": 48}
